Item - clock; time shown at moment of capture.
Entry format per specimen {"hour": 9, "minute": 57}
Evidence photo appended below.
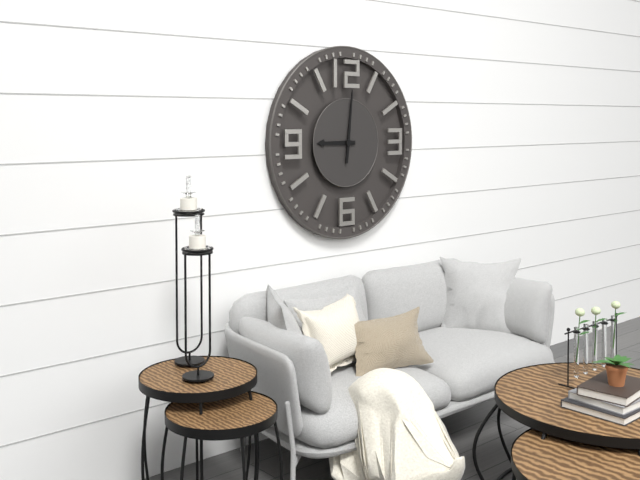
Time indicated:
{"hour": 9, "minute": 1}
